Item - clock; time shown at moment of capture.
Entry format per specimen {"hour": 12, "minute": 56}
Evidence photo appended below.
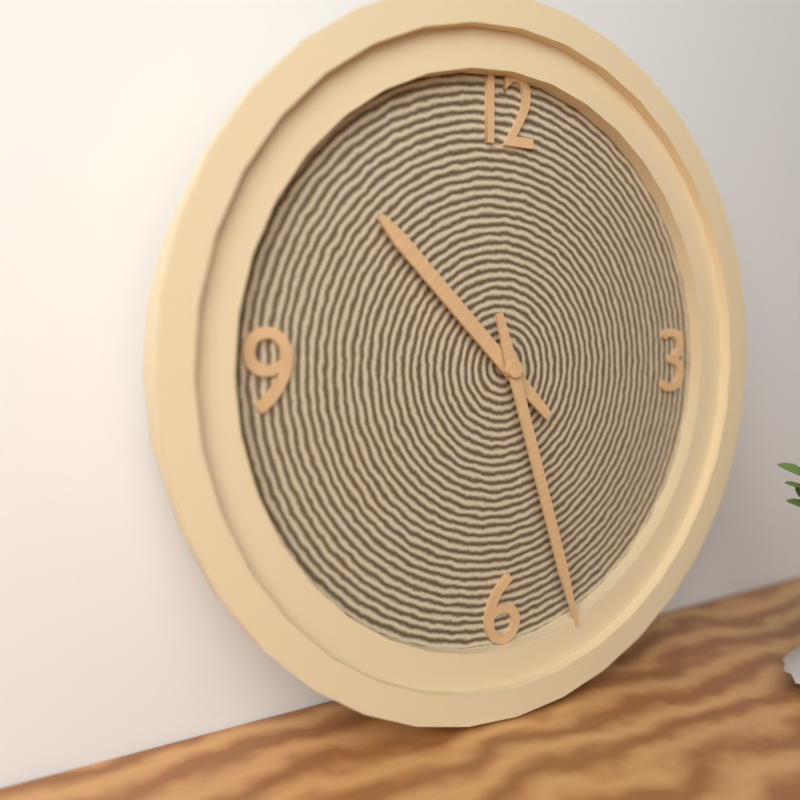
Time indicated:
{"hour": 10, "minute": 27}
